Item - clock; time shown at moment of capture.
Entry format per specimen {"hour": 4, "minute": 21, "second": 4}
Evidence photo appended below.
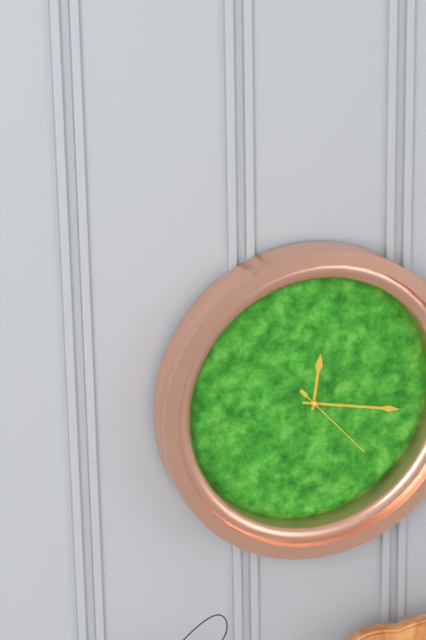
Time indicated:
{"hour": 12, "minute": 17, "second": 23}
